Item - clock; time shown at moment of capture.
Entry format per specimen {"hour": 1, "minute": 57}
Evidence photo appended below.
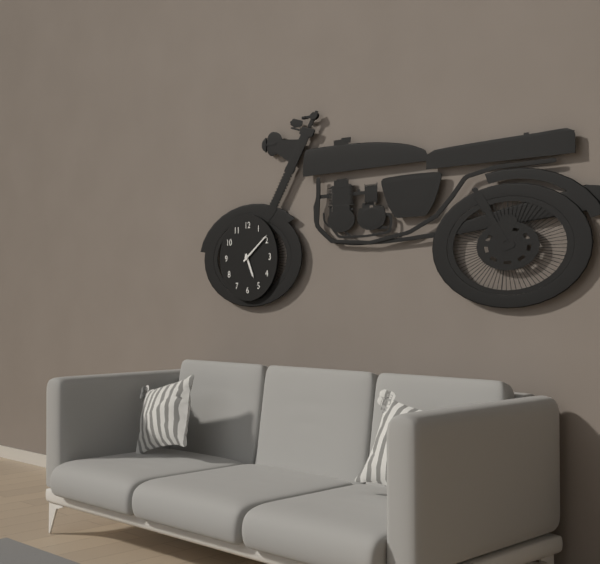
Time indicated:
{"hour": 5, "minute": 9}
